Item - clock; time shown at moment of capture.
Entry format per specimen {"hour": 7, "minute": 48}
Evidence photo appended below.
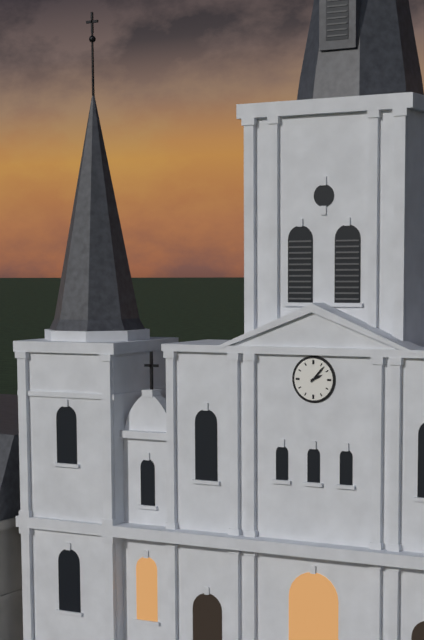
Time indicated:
{"hour": 2, "minute": 7}
